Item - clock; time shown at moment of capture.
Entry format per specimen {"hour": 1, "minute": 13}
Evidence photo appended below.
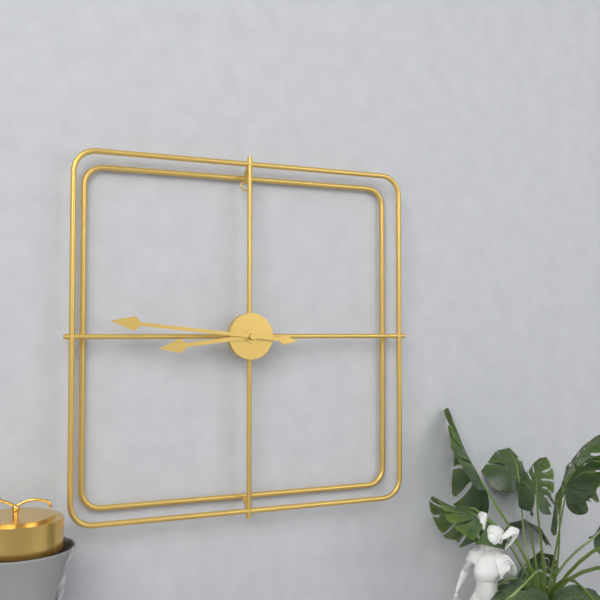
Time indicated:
{"hour": 8, "minute": 46}
